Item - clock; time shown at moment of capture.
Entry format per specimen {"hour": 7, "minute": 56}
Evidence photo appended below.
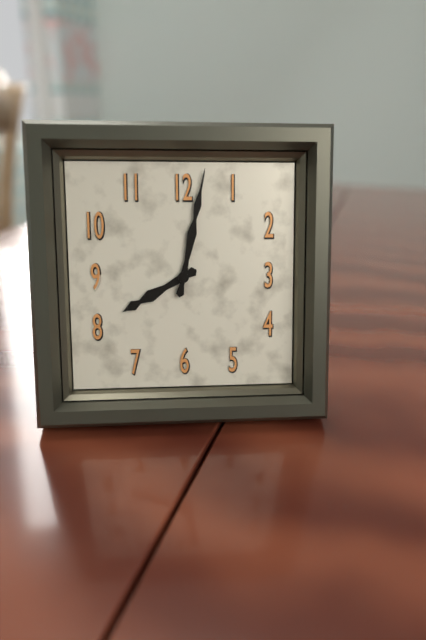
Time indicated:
{"hour": 8, "minute": 2}
